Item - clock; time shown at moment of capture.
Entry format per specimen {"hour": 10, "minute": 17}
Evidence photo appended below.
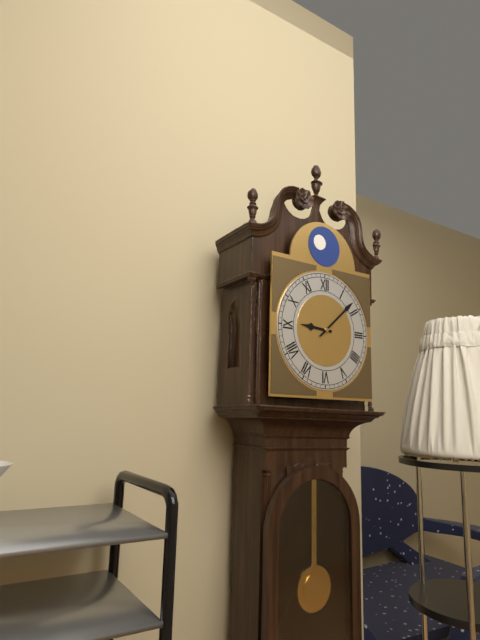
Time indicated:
{"hour": 9, "minute": 8}
